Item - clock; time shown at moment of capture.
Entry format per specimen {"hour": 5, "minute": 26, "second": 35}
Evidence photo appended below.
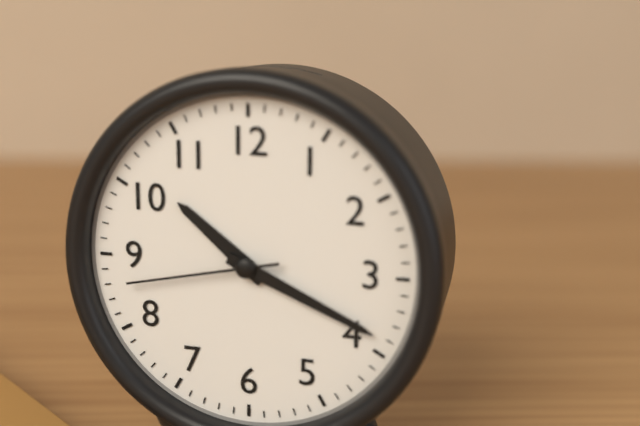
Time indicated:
{"hour": 10, "minute": 19, "second": 43}
